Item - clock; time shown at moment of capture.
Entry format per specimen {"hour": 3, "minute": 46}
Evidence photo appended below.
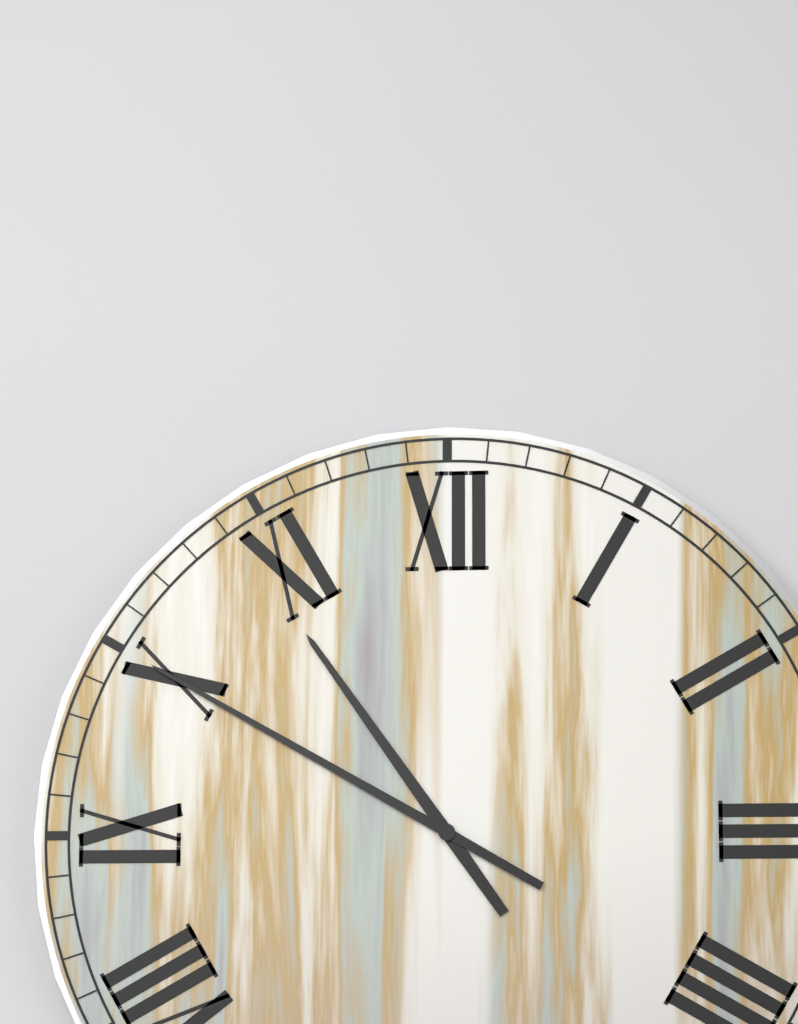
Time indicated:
{"hour": 10, "minute": 50}
